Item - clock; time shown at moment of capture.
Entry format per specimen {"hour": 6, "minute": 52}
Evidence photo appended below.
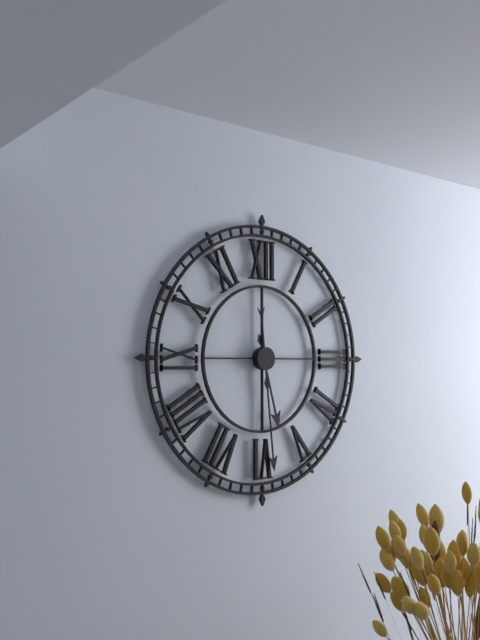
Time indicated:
{"hour": 5, "minute": 29}
